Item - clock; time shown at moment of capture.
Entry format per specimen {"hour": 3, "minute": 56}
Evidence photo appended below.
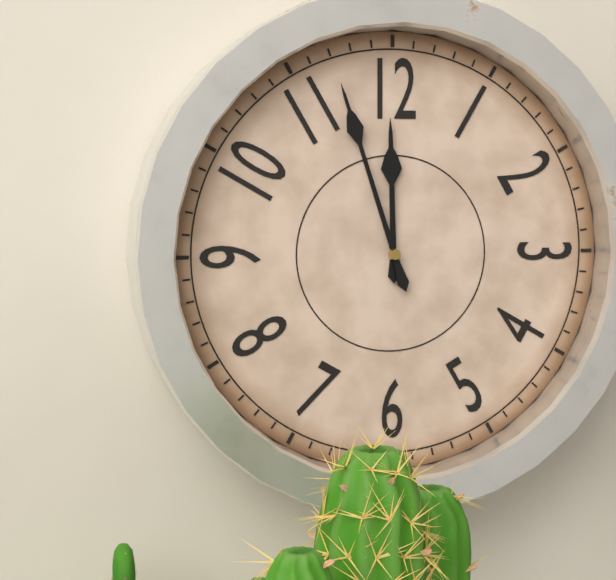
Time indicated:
{"hour": 11, "minute": 57}
